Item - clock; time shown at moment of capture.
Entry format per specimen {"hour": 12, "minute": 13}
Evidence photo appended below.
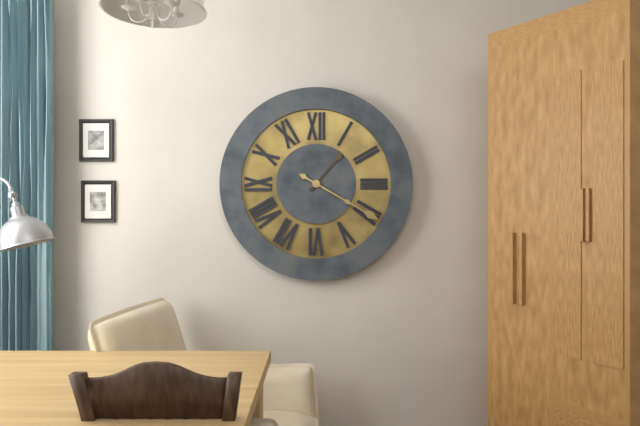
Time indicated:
{"hour": 1, "minute": 20}
